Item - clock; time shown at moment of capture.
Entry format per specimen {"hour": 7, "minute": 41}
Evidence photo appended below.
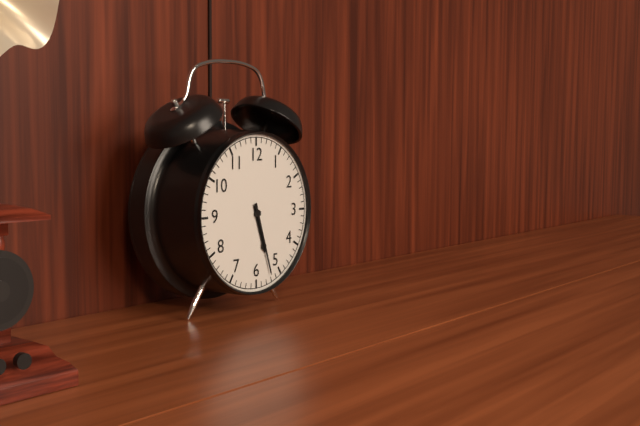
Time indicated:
{"hour": 5, "minute": 27}
